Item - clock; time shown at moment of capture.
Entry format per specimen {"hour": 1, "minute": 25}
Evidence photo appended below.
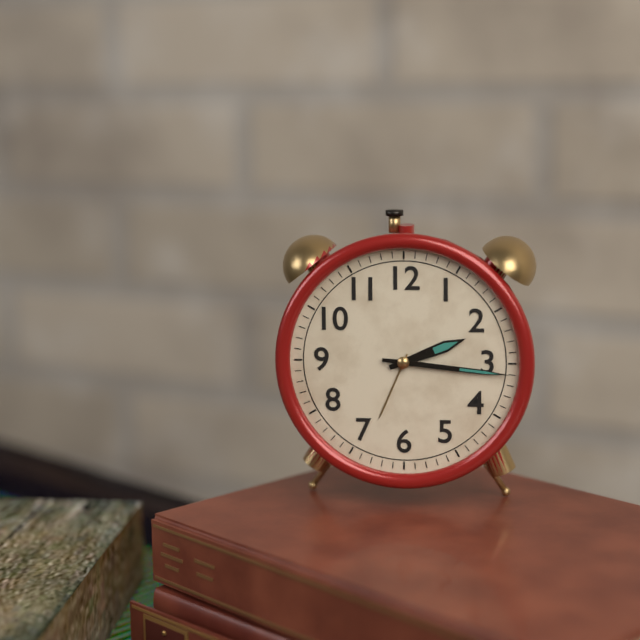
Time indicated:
{"hour": 2, "minute": 16}
